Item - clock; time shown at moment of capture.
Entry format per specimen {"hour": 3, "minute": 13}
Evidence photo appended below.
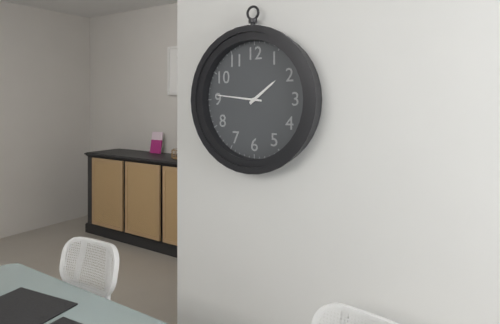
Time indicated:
{"hour": 1, "minute": 46}
